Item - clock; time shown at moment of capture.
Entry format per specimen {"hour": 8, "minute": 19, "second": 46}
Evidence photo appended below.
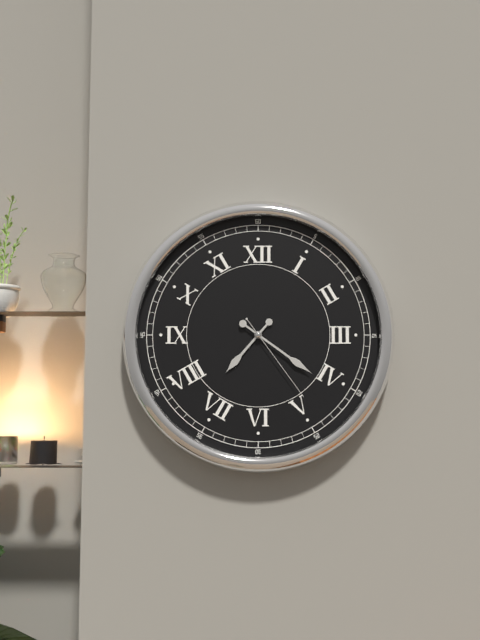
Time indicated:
{"hour": 7, "minute": 21, "second": 24}
